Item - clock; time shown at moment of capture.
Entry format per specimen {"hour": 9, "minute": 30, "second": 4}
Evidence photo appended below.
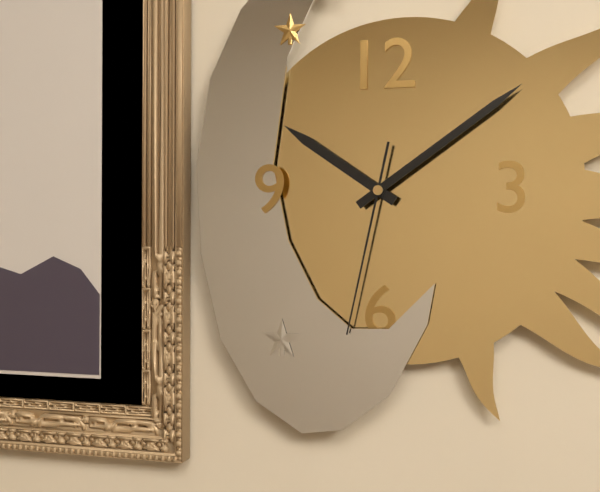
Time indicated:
{"hour": 10, "minute": 9, "second": 32}
